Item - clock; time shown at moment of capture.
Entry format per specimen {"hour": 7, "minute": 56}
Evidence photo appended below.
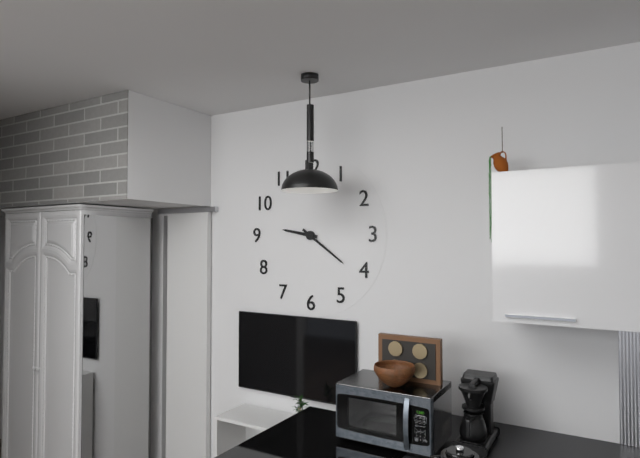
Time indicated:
{"hour": 9, "minute": 21}
